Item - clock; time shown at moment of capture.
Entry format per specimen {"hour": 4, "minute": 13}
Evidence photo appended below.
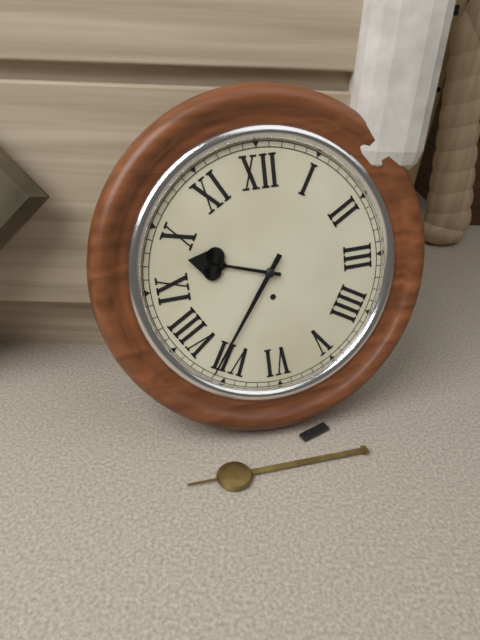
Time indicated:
{"hour": 9, "minute": 36}
